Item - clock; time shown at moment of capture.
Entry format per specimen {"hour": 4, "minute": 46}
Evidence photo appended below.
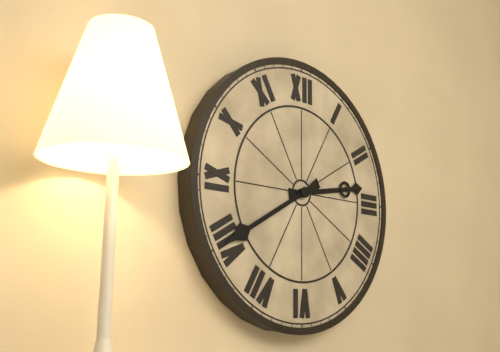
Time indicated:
{"hour": 2, "minute": 40}
